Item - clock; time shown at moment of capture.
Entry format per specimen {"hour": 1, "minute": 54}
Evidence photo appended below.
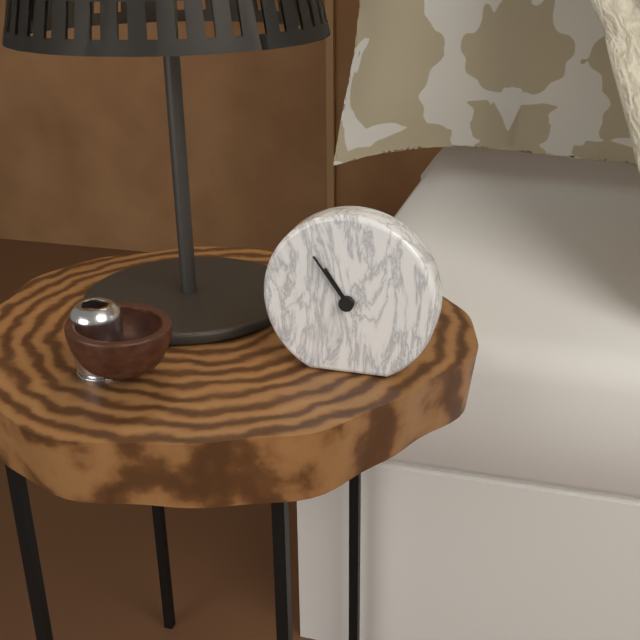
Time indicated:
{"hour": 10, "minute": 54}
